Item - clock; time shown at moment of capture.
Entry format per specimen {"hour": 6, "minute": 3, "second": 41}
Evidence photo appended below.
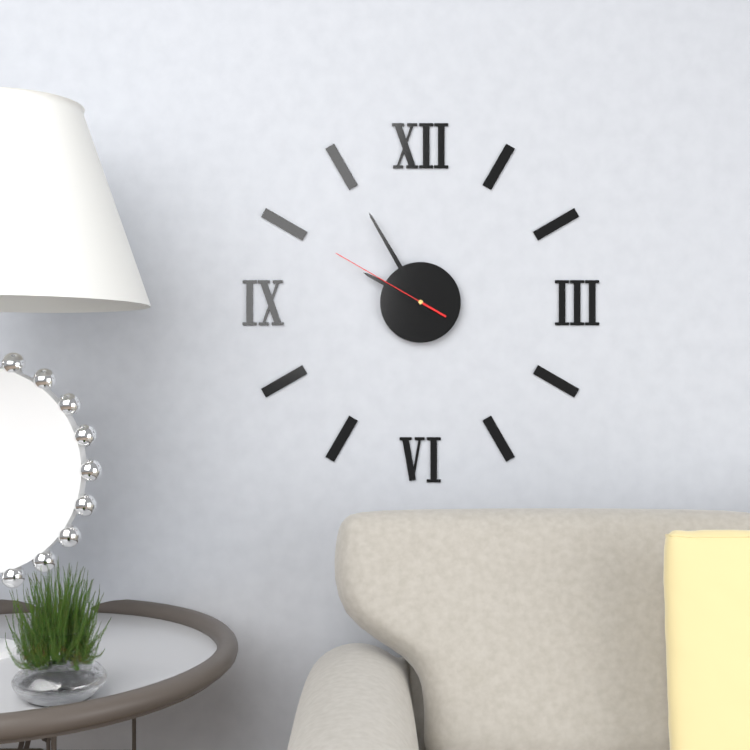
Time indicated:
{"hour": 9, "minute": 55, "second": 50}
